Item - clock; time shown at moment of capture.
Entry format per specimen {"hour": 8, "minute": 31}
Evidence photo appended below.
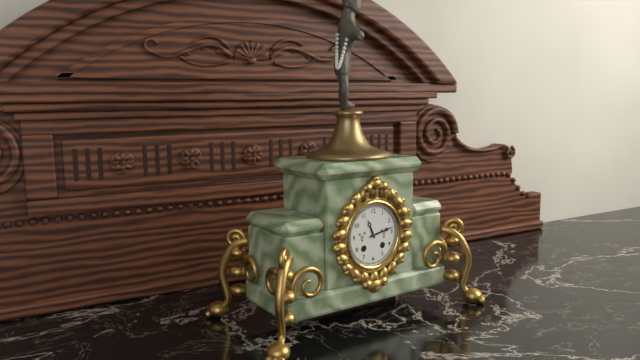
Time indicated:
{"hour": 11, "minute": 13}
